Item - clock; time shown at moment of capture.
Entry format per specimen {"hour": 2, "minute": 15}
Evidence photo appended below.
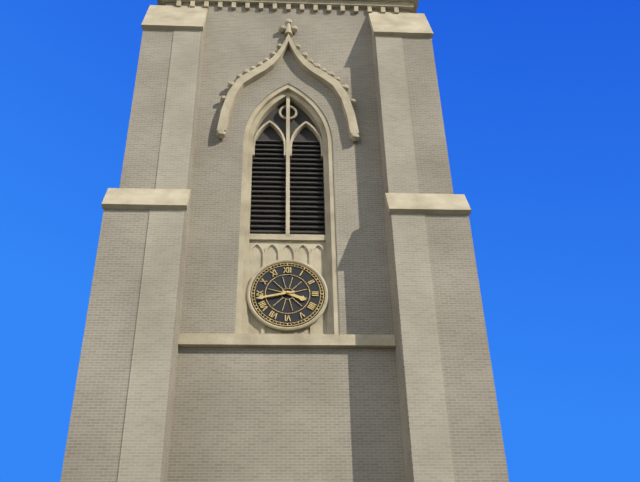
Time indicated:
{"hour": 3, "minute": 43}
